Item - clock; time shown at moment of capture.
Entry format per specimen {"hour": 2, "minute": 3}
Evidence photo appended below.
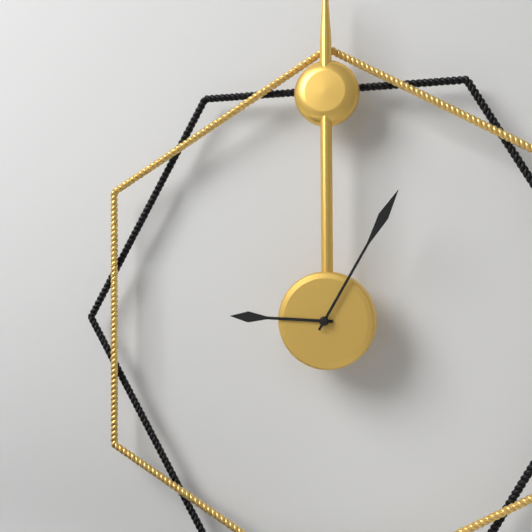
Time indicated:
{"hour": 9, "minute": 5}
